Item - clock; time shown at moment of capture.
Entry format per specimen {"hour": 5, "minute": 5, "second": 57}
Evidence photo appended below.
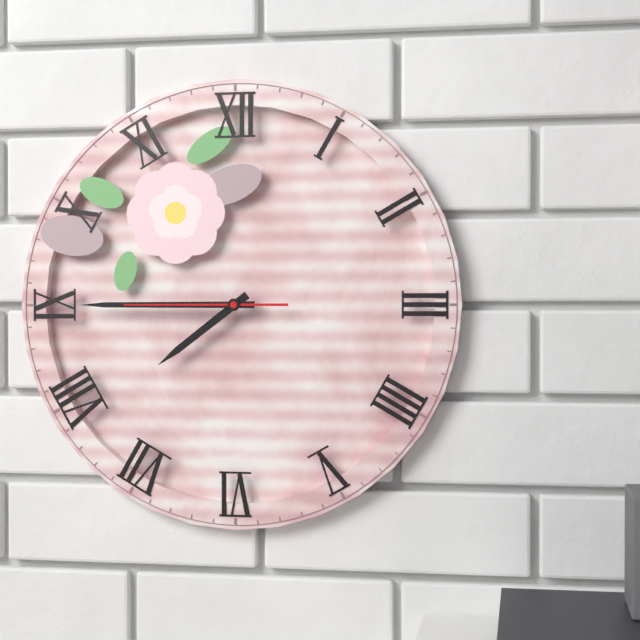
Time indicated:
{"hour": 7, "minute": 45, "second": 45}
